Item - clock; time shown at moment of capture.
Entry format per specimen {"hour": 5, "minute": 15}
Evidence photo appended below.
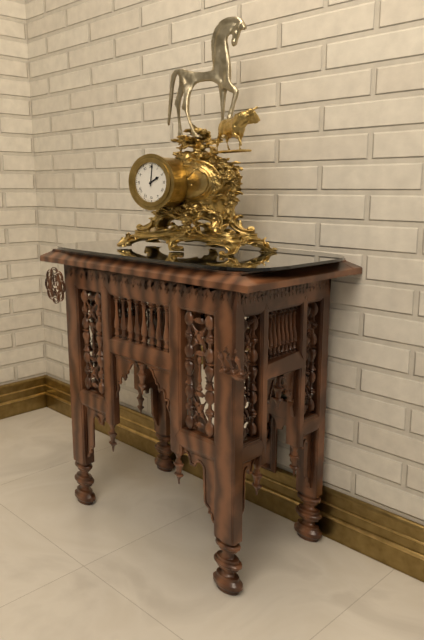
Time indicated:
{"hour": 2, "minute": 1}
